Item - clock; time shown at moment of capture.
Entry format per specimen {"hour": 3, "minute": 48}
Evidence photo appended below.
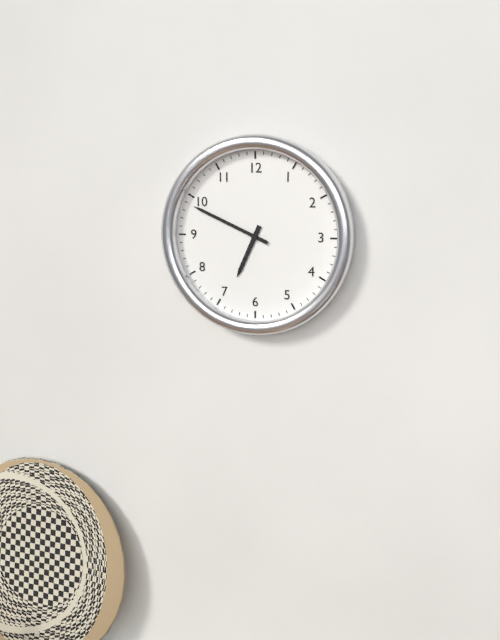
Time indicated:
{"hour": 6, "minute": 49}
